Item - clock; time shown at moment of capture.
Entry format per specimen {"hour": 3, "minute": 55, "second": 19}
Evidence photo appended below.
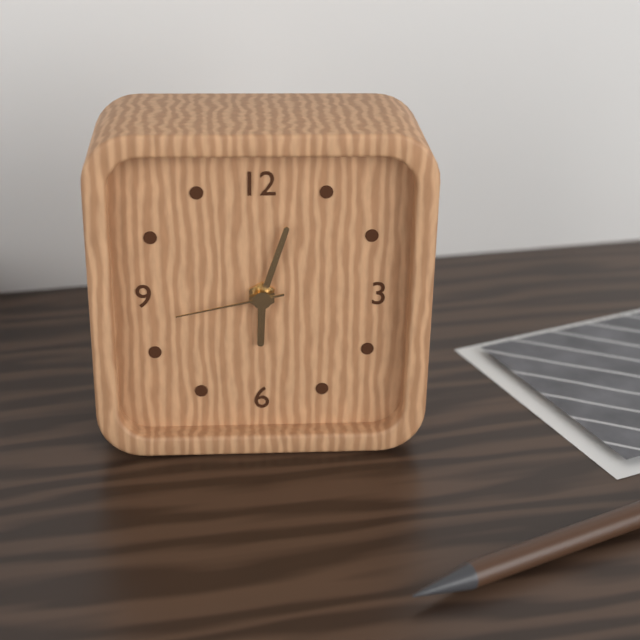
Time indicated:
{"hour": 6, "minute": 3, "second": 43}
